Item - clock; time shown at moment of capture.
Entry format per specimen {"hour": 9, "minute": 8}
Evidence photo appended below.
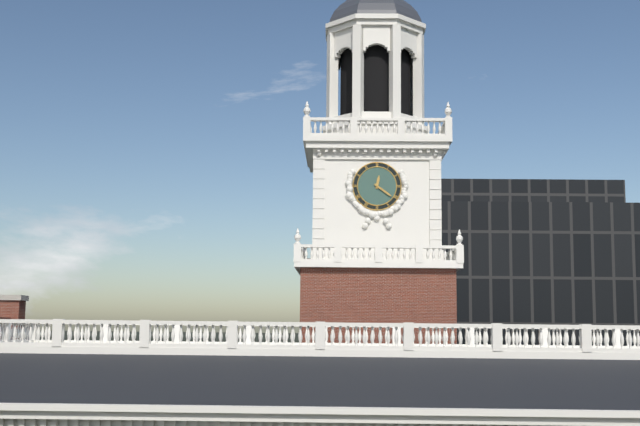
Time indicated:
{"hour": 12, "minute": 21}
